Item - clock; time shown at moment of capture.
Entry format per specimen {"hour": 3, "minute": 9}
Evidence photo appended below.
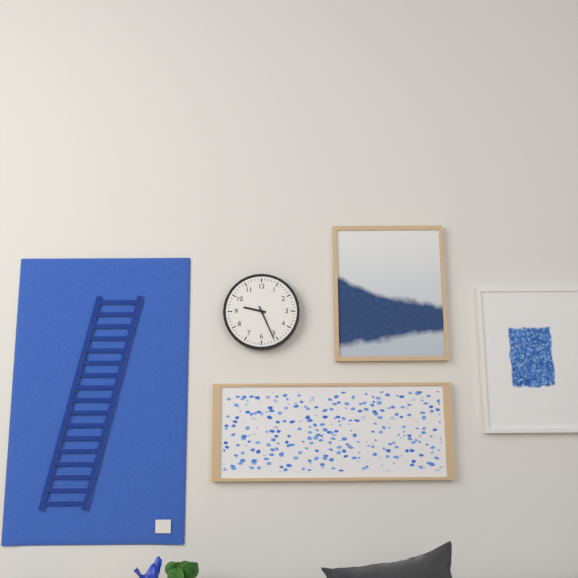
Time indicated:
{"hour": 9, "minute": 26}
